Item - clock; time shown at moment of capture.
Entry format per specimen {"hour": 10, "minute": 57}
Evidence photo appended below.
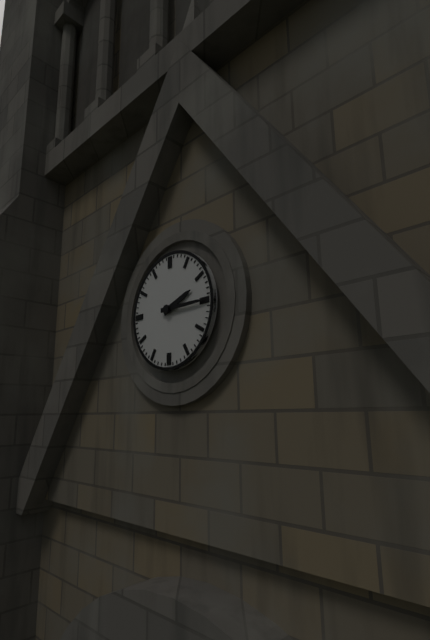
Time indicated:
{"hour": 2, "minute": 15}
